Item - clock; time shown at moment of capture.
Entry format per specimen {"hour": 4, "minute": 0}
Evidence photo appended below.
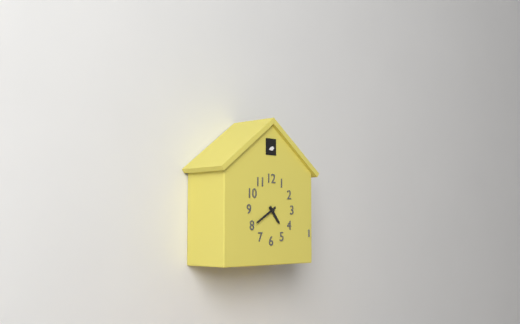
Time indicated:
{"hour": 4, "minute": 40}
